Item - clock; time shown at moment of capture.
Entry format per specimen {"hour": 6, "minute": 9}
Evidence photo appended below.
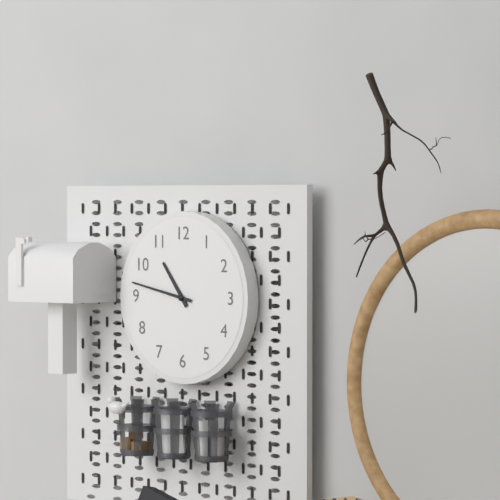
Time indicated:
{"hour": 10, "minute": 47}
